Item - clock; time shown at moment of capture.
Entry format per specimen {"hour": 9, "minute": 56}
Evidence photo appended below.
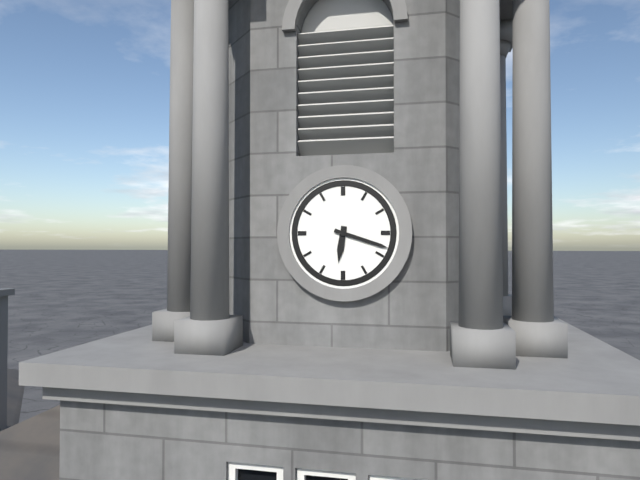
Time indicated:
{"hour": 6, "minute": 18}
